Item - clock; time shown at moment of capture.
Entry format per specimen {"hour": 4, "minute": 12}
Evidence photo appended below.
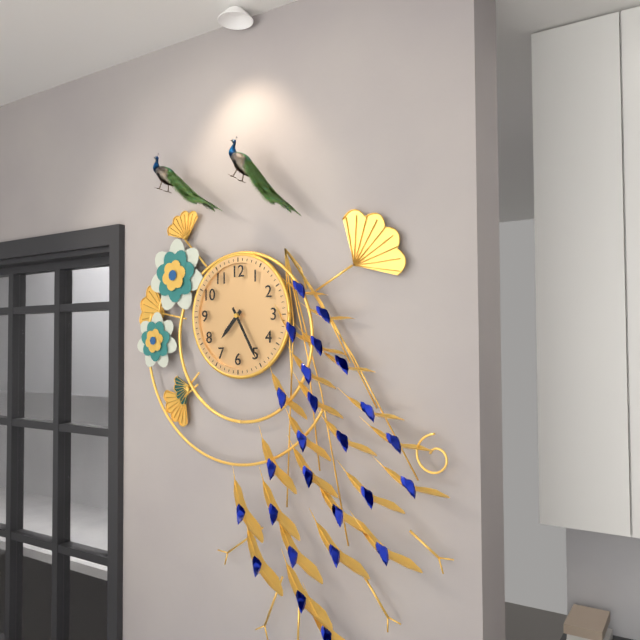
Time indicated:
{"hour": 7, "minute": 25}
